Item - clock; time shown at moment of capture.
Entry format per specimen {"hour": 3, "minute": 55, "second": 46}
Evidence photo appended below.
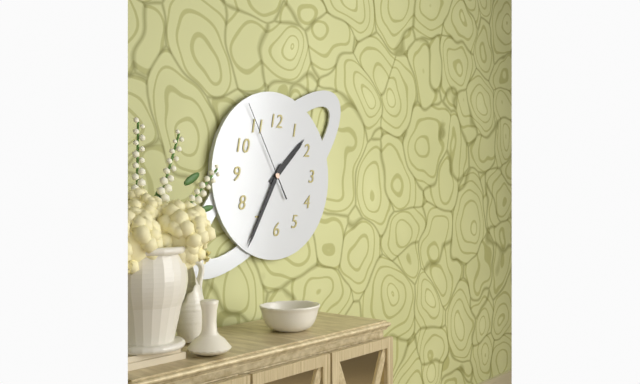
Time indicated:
{"hour": 1, "minute": 35, "second": 55}
